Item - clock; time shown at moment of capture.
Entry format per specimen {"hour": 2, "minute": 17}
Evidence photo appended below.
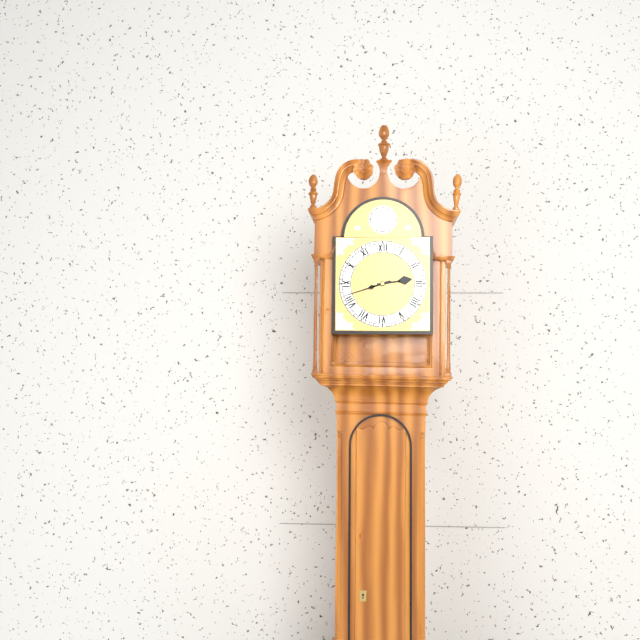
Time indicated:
{"hour": 2, "minute": 42}
